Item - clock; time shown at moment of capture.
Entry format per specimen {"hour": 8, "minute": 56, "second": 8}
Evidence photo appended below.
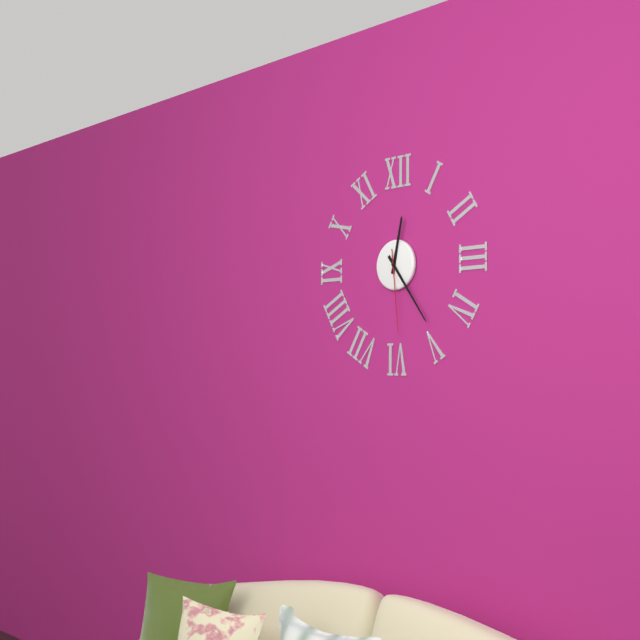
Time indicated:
{"hour": 12, "minute": 24, "second": 29}
